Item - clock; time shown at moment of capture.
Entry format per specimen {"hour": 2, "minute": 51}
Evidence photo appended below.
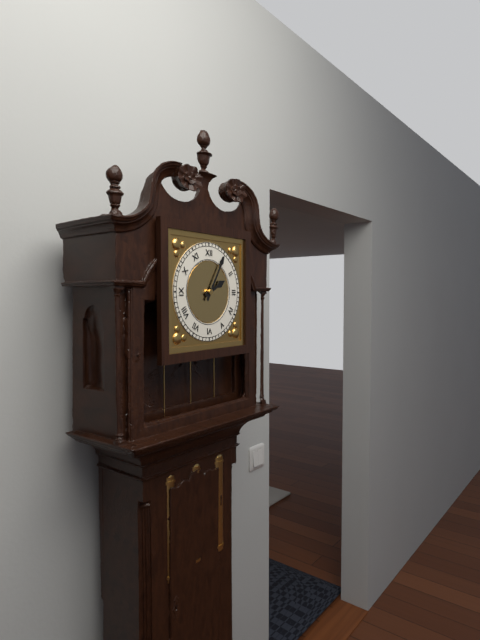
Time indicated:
{"hour": 2, "minute": 5}
